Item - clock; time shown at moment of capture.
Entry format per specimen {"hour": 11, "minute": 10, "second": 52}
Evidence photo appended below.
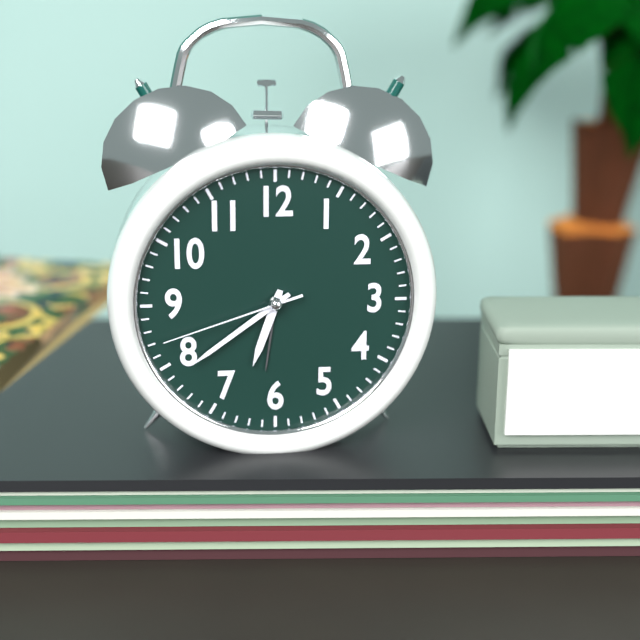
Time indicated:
{"hour": 6, "minute": 39, "second": 42}
